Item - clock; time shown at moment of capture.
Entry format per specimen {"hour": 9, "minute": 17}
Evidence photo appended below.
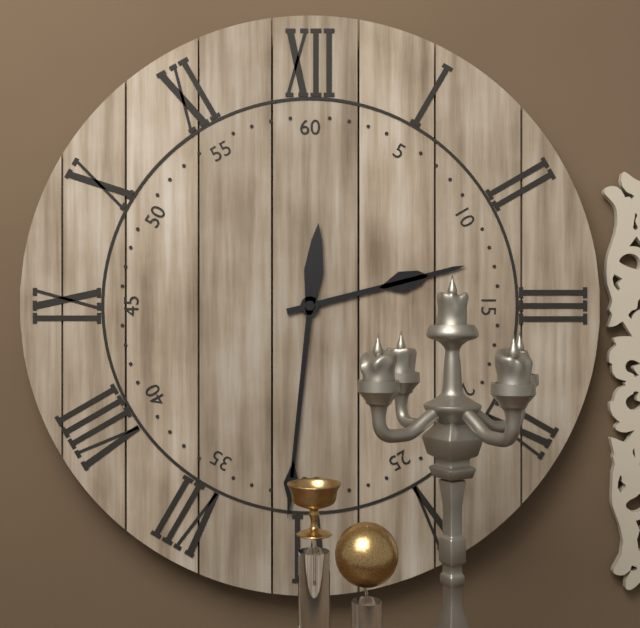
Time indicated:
{"hour": 2, "minute": 31}
